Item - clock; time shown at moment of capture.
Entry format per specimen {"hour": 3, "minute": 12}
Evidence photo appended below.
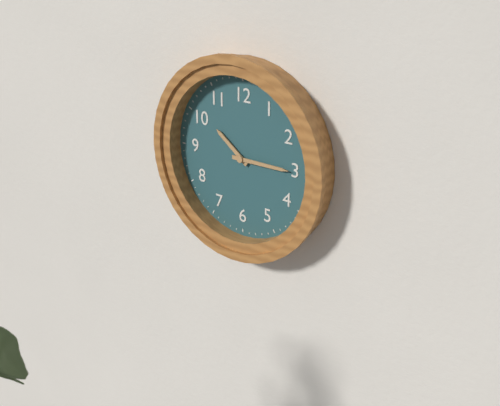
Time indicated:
{"hour": 10, "minute": 15}
